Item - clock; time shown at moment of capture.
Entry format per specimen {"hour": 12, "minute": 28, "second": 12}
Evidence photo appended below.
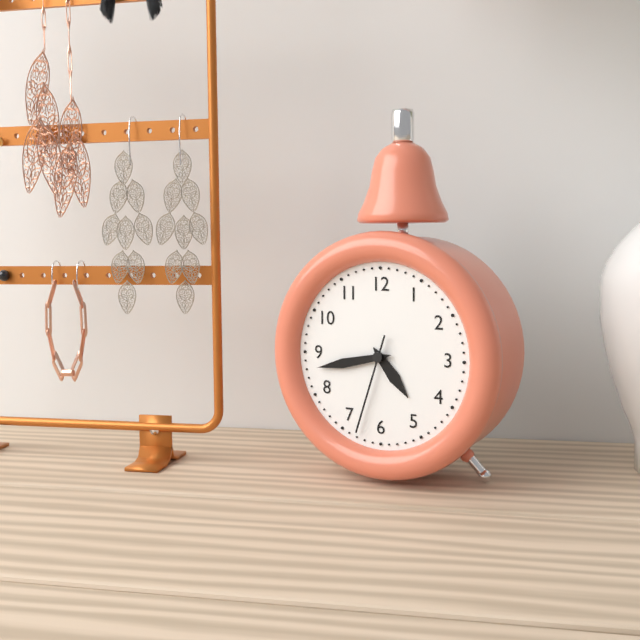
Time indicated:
{"hour": 4, "minute": 43, "second": 33}
